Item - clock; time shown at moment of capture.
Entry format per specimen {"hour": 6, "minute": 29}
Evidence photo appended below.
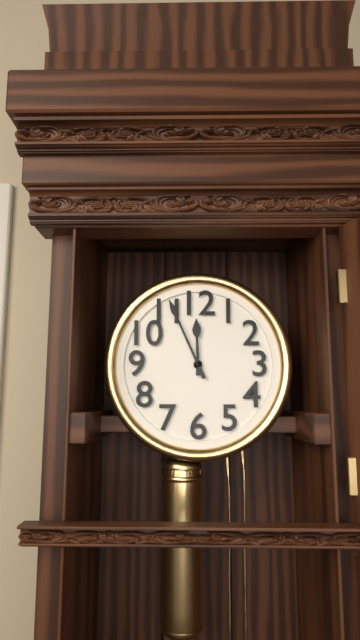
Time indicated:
{"hour": 11, "minute": 56}
